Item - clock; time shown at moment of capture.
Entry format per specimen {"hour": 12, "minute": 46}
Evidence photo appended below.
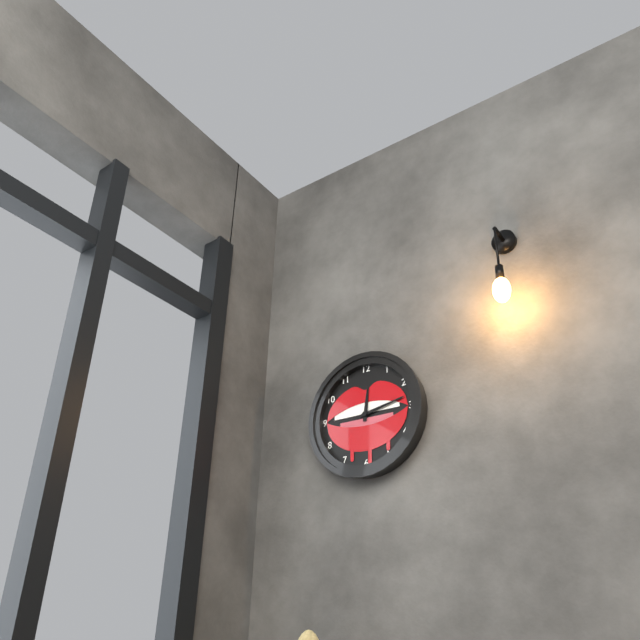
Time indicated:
{"hour": 12, "minute": 13}
